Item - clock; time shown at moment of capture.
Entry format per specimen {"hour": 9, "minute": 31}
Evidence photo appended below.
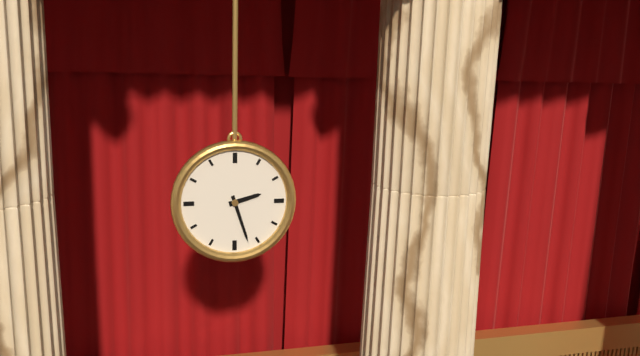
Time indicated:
{"hour": 2, "minute": 27}
